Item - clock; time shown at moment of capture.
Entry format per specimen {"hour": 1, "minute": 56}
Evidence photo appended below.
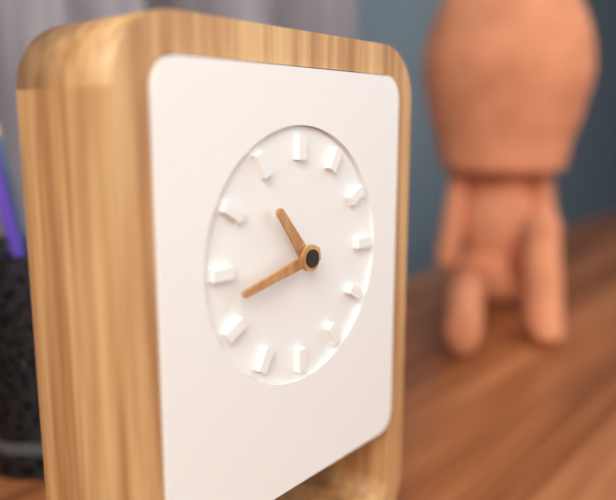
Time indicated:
{"hour": 10, "minute": 43}
